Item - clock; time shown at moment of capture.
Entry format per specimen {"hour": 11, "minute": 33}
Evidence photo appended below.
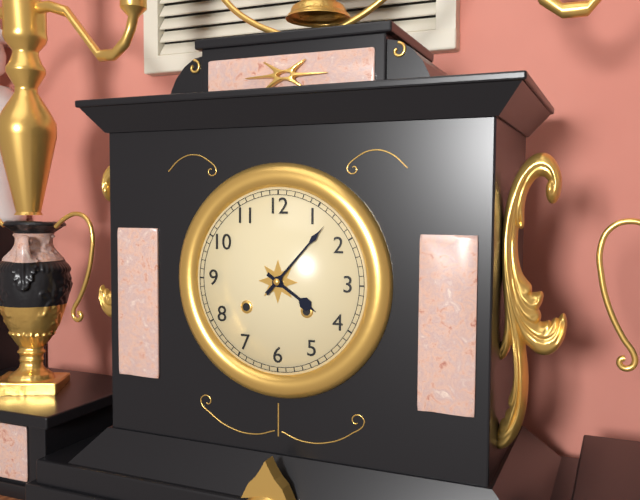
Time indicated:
{"hour": 4, "minute": 7}
